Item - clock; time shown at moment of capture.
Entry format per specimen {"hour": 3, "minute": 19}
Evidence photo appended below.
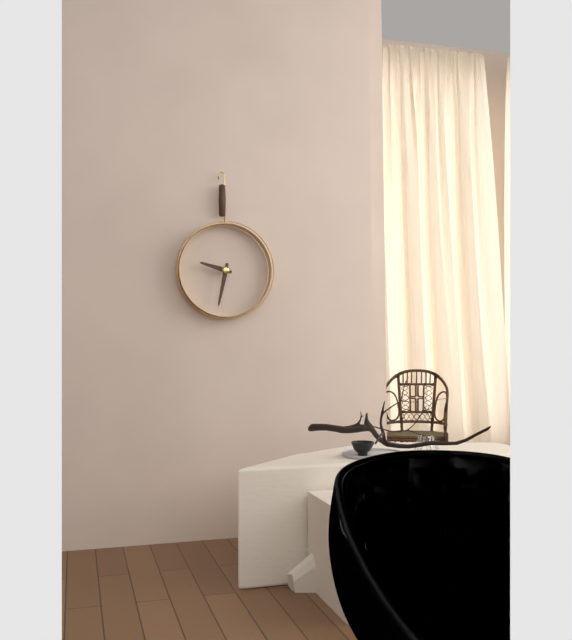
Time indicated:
{"hour": 9, "minute": 32}
